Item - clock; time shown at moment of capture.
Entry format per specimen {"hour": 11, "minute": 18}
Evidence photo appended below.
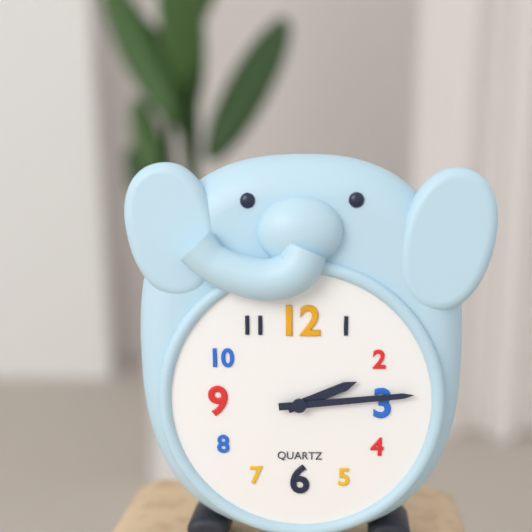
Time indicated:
{"hour": 2, "minute": 14}
